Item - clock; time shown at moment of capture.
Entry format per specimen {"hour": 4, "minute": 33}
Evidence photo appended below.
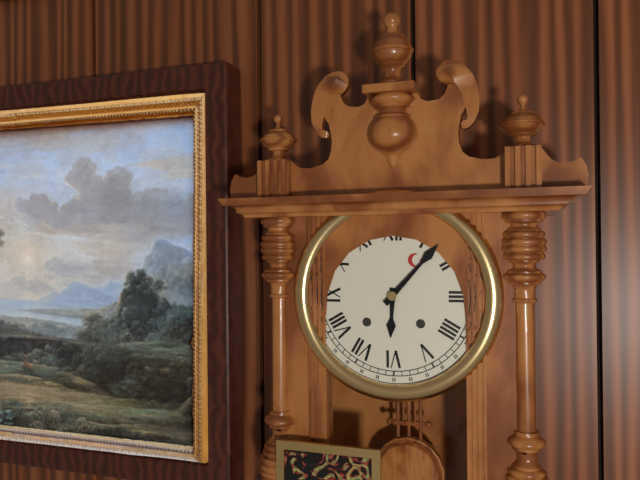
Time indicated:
{"hour": 6, "minute": 7}
